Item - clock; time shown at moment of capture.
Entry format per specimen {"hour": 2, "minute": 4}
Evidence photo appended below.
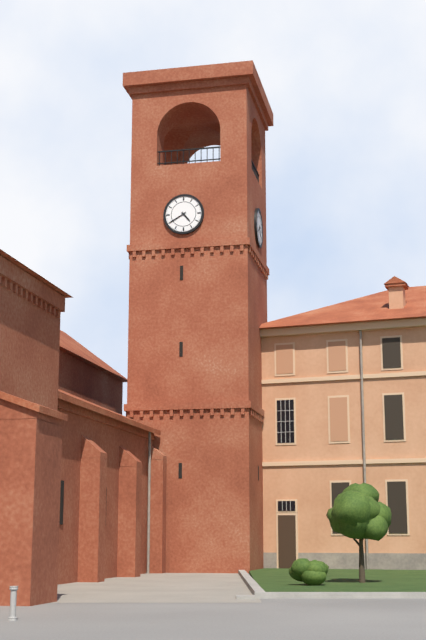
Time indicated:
{"hour": 4, "minute": 40}
